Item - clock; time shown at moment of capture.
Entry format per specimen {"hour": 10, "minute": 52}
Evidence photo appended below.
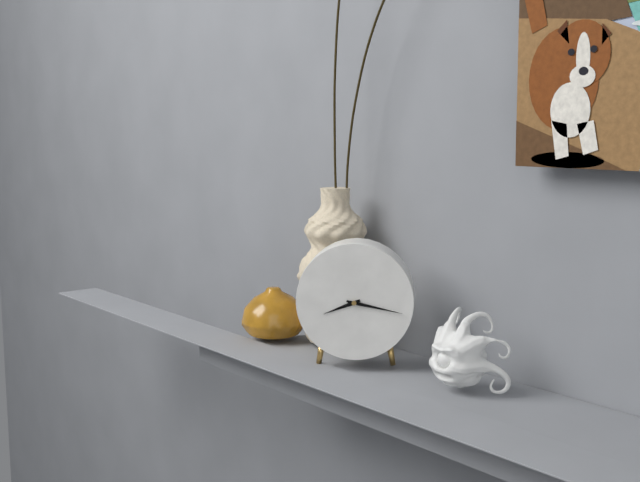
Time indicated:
{"hour": 8, "minute": 17}
